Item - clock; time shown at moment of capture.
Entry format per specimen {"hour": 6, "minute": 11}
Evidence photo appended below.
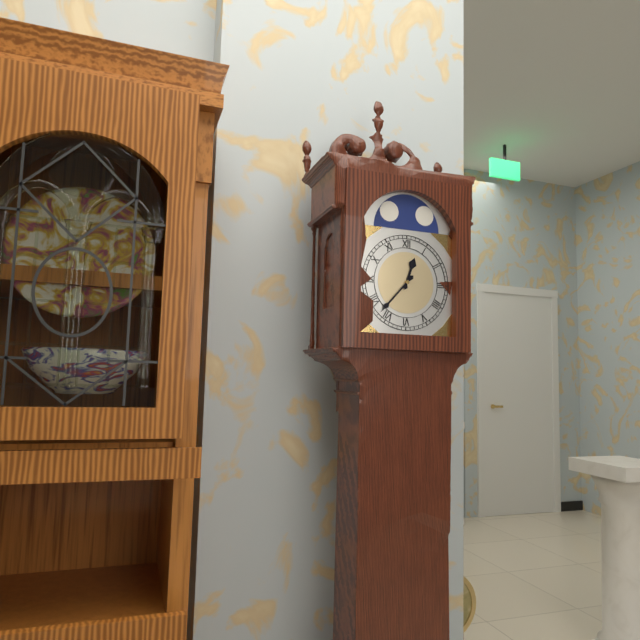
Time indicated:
{"hour": 12, "minute": 37}
